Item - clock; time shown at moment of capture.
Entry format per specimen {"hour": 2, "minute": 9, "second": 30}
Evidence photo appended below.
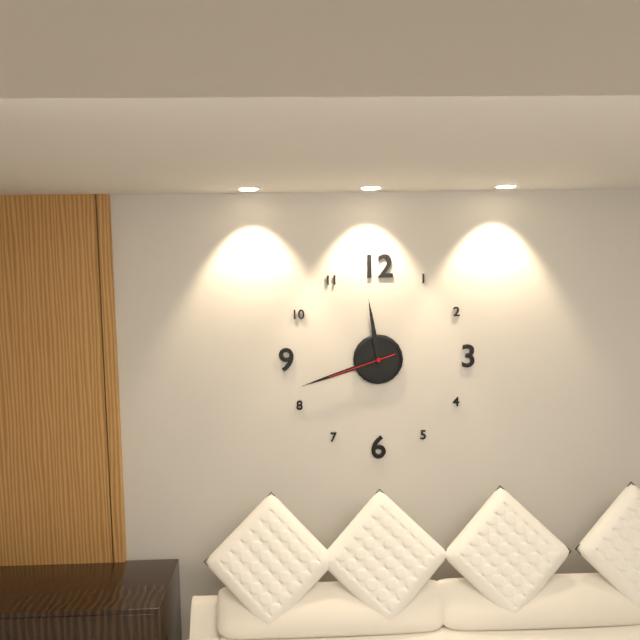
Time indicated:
{"hour": 11, "minute": 42, "second": 42}
